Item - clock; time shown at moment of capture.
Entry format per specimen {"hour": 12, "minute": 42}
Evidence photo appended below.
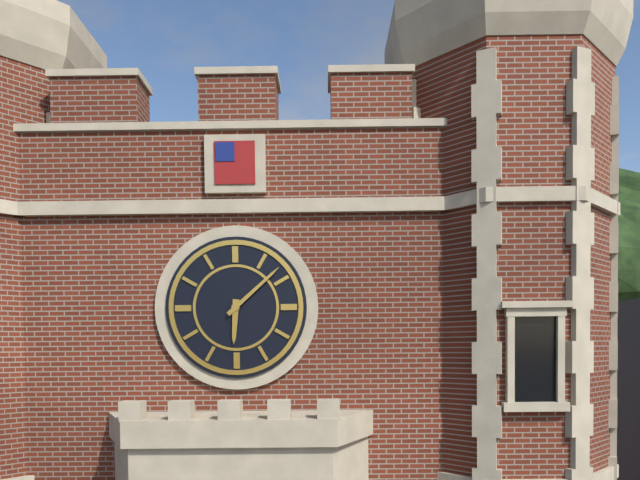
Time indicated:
{"hour": 6, "minute": 8}
